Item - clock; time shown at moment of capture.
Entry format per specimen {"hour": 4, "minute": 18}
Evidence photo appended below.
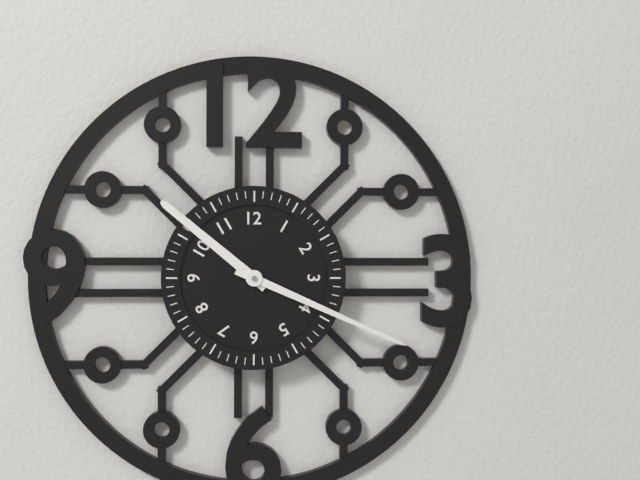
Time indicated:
{"hour": 10, "minute": 19}
